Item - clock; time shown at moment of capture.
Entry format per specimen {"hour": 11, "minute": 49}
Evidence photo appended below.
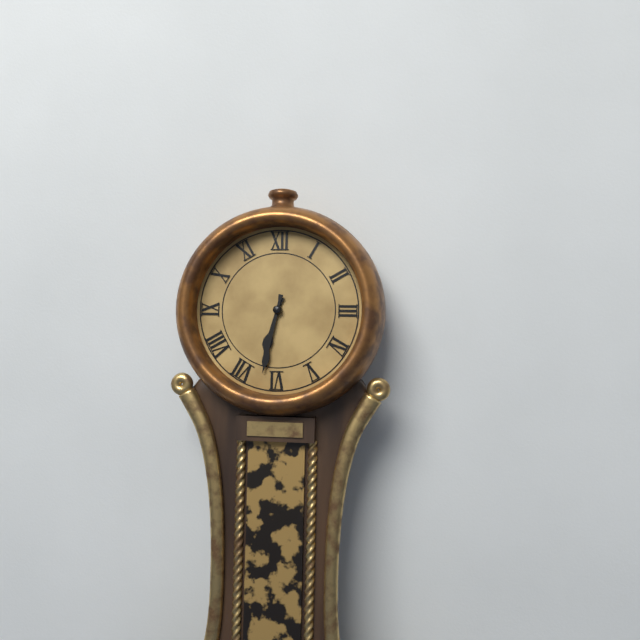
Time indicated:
{"hour": 6, "minute": 32}
